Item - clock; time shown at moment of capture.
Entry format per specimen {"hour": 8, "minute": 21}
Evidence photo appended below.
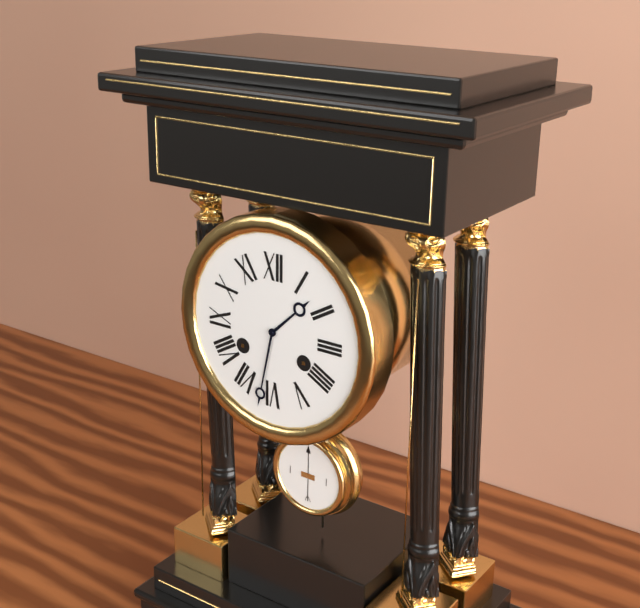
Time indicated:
{"hour": 1, "minute": 32}
